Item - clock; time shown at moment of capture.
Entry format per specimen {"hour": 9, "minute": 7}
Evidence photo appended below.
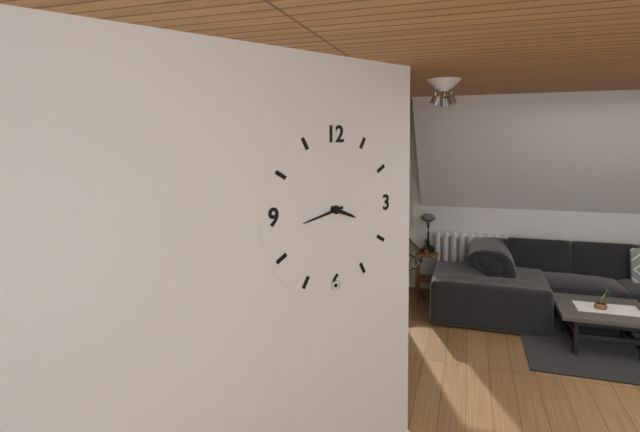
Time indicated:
{"hour": 3, "minute": 43}
